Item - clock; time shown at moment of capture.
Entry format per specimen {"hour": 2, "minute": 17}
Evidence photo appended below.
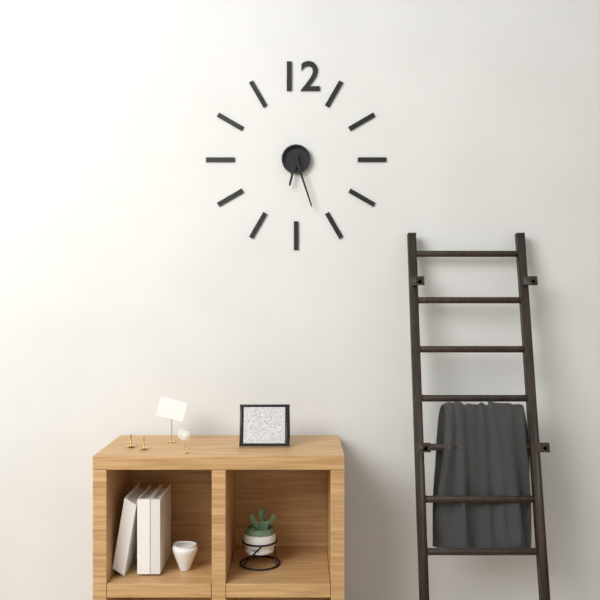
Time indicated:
{"hour": 6, "minute": 27}
